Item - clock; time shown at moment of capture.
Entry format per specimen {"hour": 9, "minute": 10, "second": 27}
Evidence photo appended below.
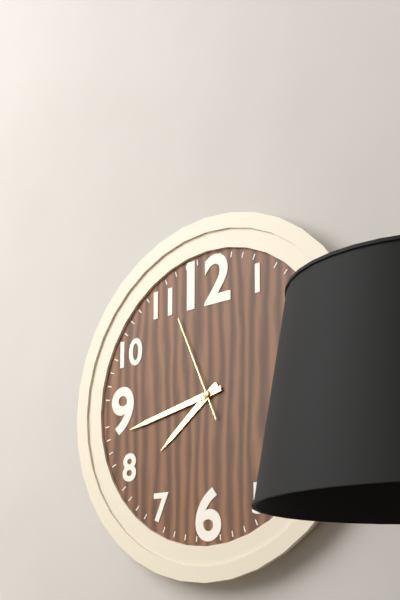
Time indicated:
{"hour": 7, "minute": 43, "second": 56}
